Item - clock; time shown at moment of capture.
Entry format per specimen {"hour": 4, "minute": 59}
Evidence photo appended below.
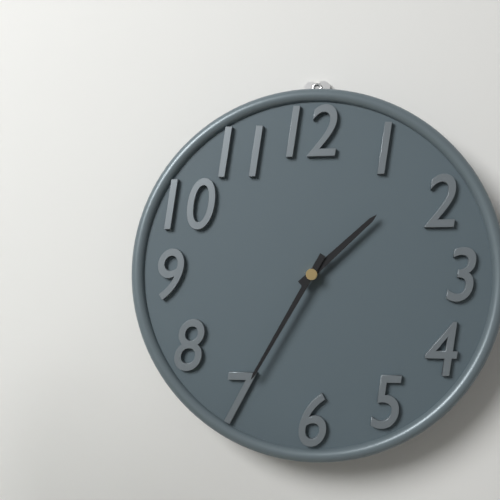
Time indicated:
{"hour": 1, "minute": 35}
